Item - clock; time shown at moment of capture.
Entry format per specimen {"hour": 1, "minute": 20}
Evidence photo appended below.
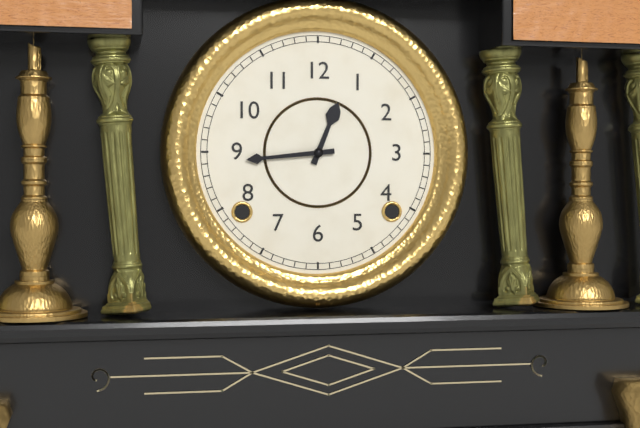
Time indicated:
{"hour": 12, "minute": 44}
